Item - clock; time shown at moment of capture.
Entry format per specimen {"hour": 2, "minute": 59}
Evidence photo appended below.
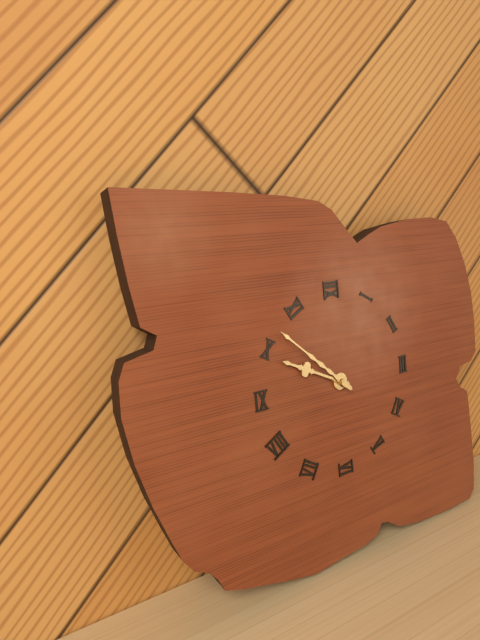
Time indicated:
{"hour": 9, "minute": 52}
